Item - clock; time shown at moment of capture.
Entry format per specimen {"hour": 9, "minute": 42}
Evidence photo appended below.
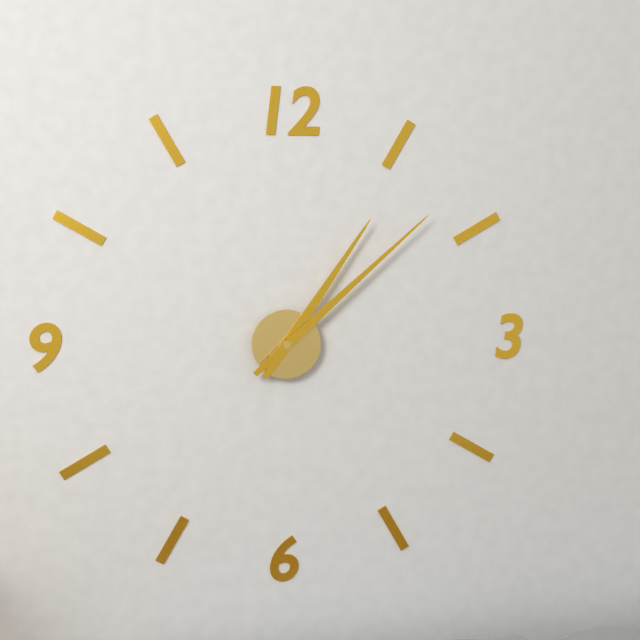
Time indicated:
{"hour": 1, "minute": 8}
